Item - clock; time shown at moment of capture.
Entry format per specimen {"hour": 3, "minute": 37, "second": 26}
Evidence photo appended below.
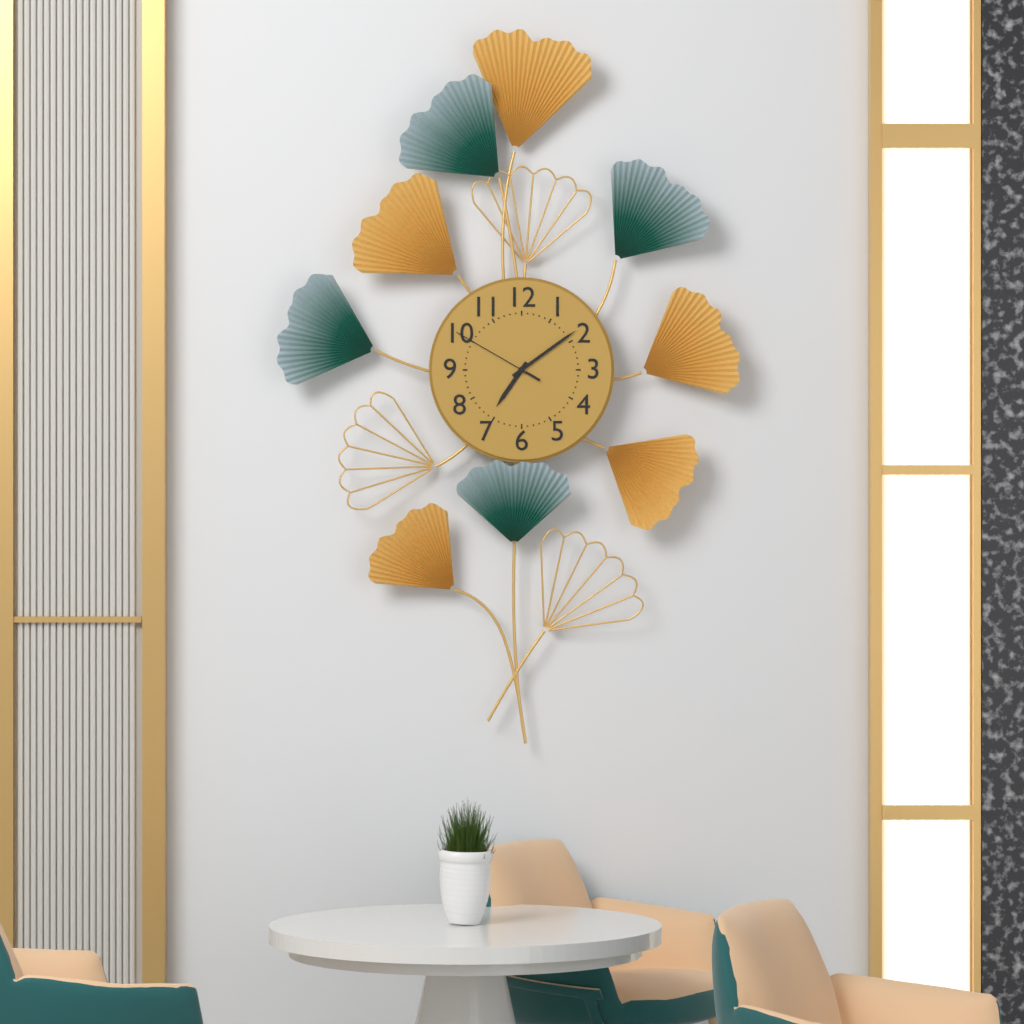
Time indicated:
{"hour": 7, "minute": 9, "second": 50}
